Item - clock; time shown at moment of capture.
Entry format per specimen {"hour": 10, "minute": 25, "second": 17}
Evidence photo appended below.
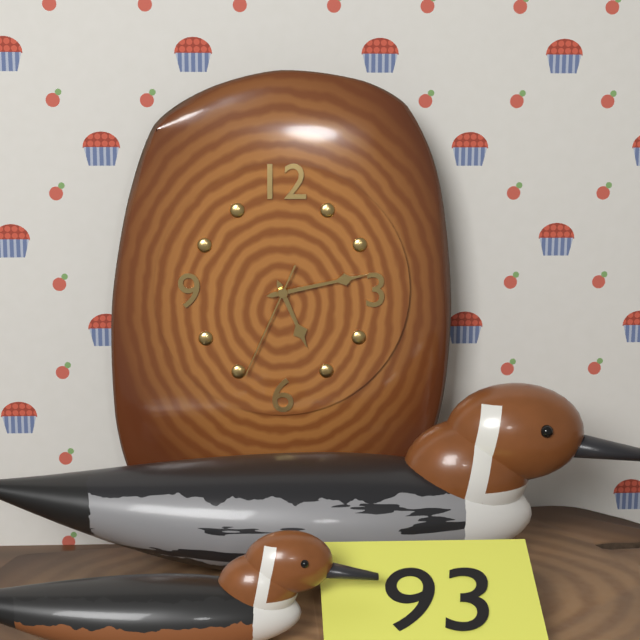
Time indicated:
{"hour": 5, "minute": 13, "second": 34}
